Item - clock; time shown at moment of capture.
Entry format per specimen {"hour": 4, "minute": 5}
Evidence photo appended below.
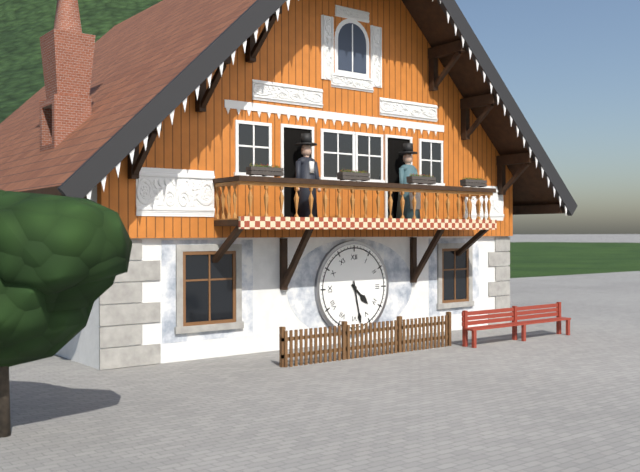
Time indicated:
{"hour": 4, "minute": 28}
